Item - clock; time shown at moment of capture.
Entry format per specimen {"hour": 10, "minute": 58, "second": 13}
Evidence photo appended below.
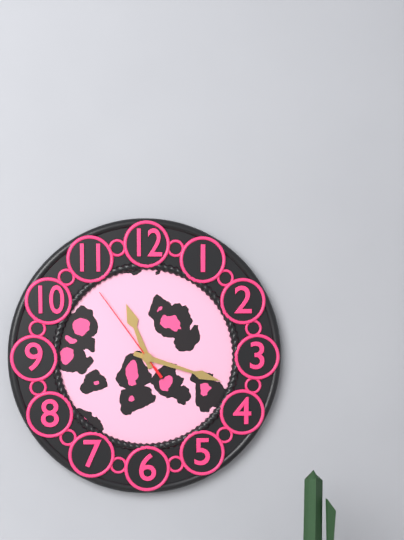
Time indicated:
{"hour": 11, "minute": 18, "second": 54}
